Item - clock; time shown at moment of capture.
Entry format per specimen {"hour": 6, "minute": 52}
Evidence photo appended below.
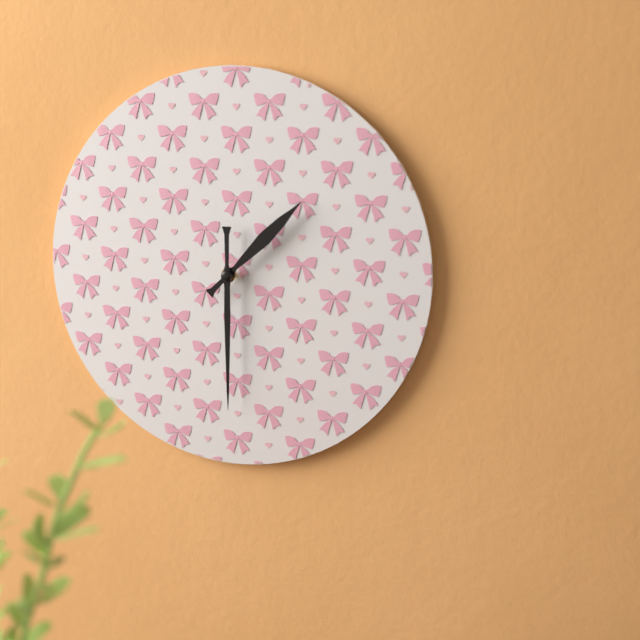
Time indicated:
{"hour": 1, "minute": 30}
